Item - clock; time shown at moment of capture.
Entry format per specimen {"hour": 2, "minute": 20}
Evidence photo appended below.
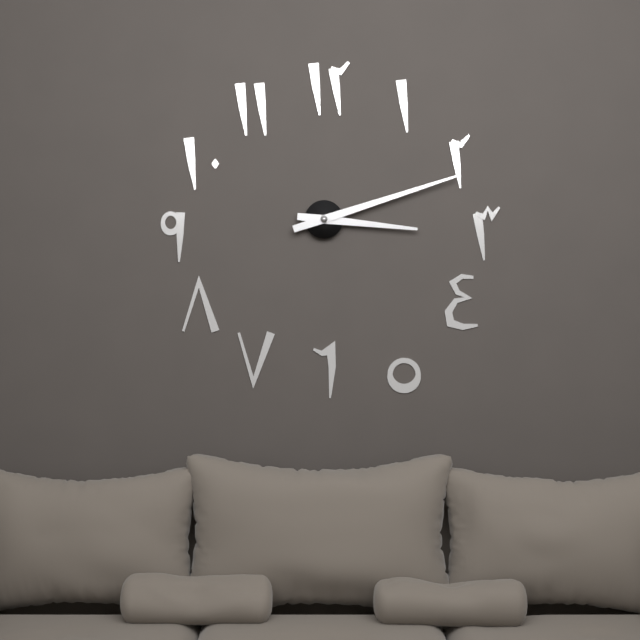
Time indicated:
{"hour": 3, "minute": 12}
